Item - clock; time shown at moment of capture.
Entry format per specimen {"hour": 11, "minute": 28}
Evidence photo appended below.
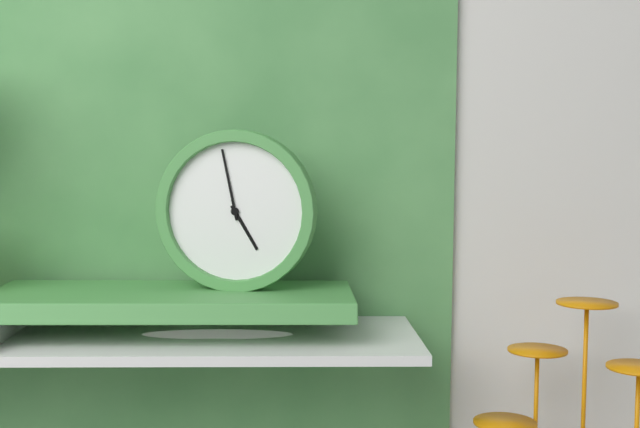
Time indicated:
{"hour": 4, "minute": 58}
